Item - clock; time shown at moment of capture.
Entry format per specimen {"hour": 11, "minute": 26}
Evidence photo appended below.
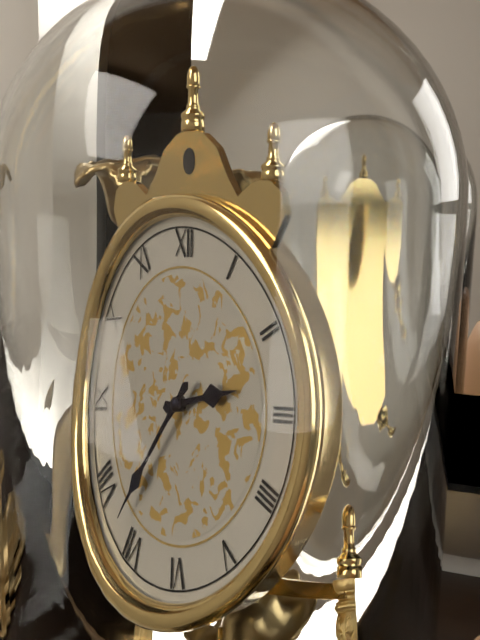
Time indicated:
{"hour": 2, "minute": 37}
